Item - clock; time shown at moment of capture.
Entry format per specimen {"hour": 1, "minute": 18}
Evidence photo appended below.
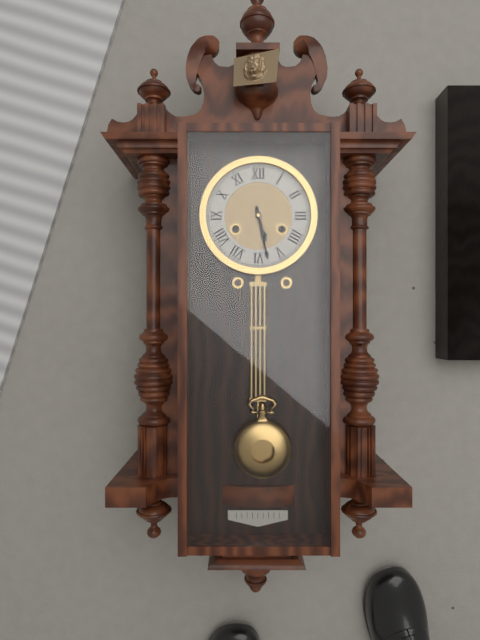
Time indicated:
{"hour": 5, "minute": 28}
